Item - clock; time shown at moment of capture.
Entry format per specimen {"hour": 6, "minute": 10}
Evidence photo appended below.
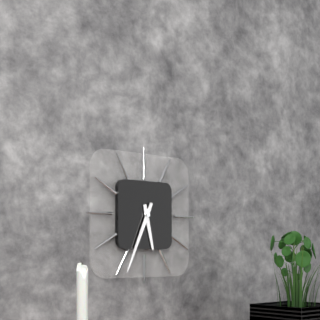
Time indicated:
{"hour": 5, "minute": 34}
